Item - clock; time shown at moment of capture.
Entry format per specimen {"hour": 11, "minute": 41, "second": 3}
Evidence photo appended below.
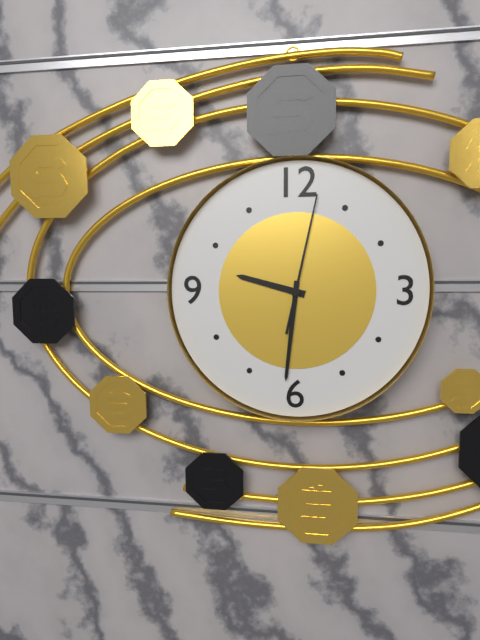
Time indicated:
{"hour": 9, "minute": 31, "second": 2}
